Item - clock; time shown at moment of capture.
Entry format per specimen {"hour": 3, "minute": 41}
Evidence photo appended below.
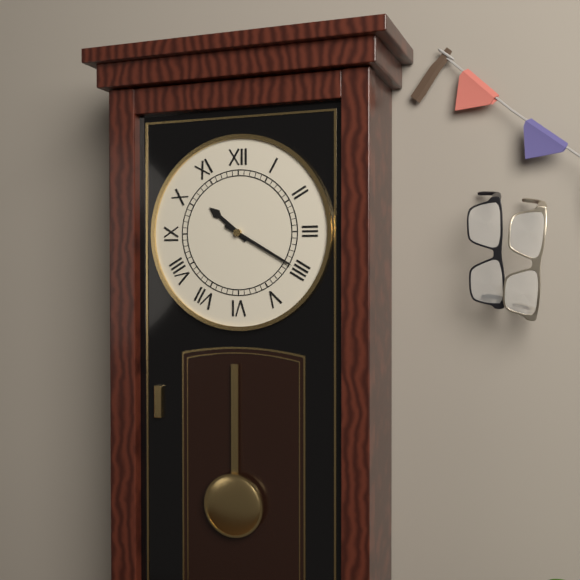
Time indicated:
{"hour": 10, "minute": 20}
